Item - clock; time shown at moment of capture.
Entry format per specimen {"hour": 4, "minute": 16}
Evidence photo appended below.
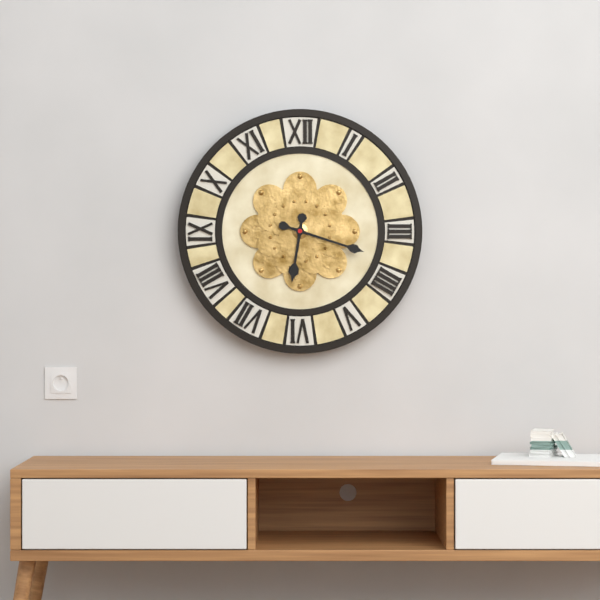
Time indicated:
{"hour": 6, "minute": 18}
